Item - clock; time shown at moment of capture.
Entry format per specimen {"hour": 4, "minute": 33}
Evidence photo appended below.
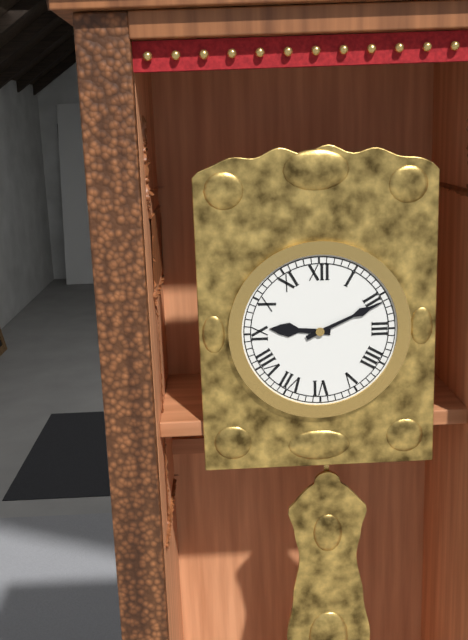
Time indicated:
{"hour": 9, "minute": 11}
